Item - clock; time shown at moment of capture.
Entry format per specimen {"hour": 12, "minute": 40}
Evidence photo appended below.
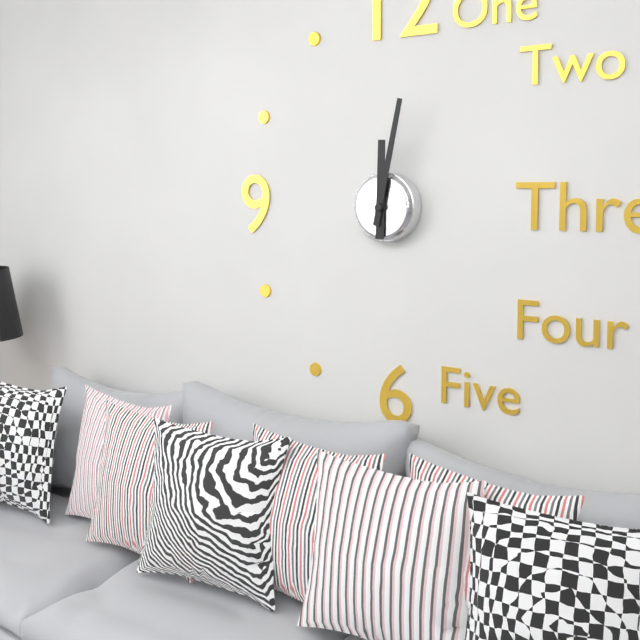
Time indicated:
{"hour": 12, "minute": 2}
